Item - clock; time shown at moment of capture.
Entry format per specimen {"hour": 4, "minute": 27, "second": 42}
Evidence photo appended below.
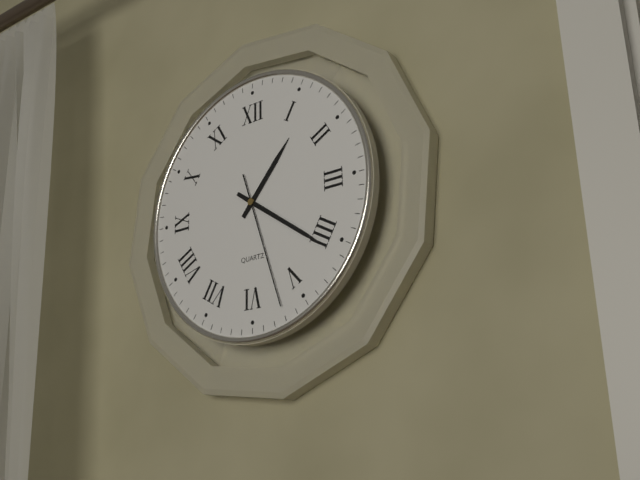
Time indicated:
{"hour": 1, "minute": 21, "second": 27}
